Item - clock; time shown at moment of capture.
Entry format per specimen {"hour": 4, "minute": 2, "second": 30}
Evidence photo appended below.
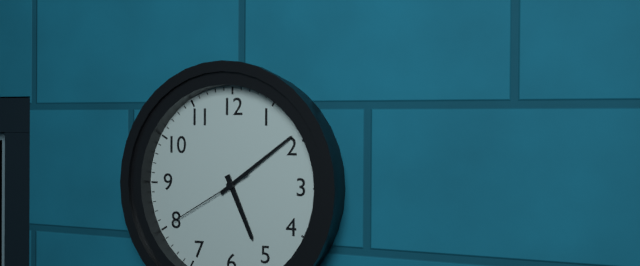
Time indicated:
{"hour": 5, "minute": 9, "second": 40}
